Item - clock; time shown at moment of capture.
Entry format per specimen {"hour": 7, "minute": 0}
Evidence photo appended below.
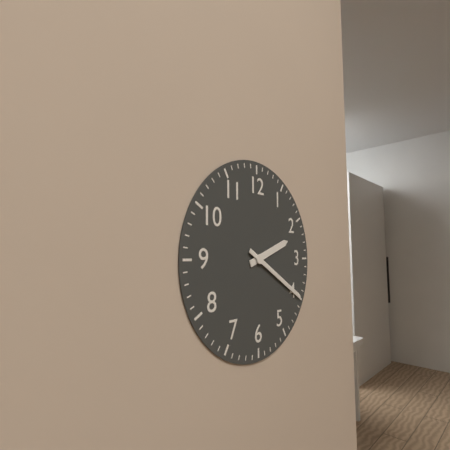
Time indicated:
{"hour": 2, "minute": 20}
